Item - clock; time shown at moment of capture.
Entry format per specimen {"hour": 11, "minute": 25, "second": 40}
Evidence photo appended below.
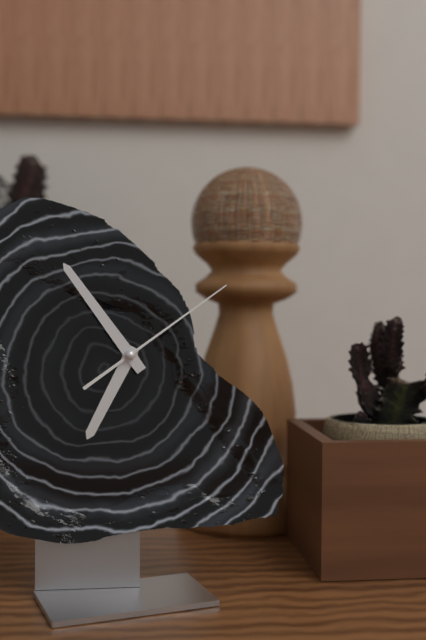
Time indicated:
{"hour": 6, "minute": 54, "second": 9}
